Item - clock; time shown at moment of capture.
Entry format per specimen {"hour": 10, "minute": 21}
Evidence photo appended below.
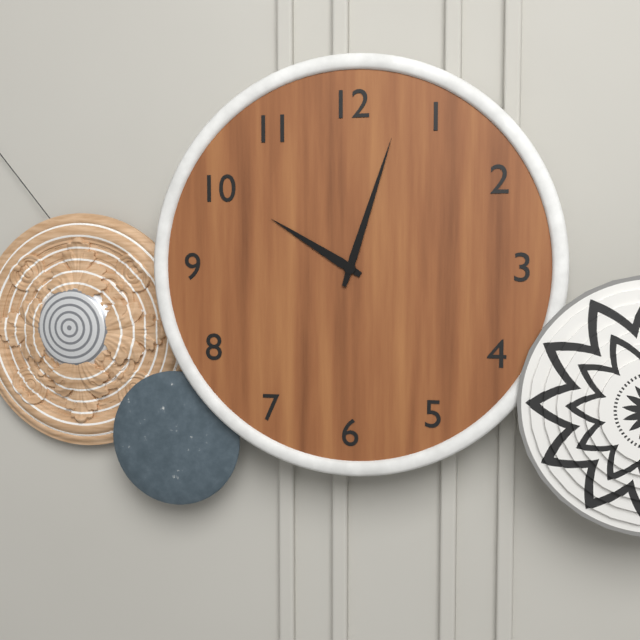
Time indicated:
{"hour": 10, "minute": 3}
